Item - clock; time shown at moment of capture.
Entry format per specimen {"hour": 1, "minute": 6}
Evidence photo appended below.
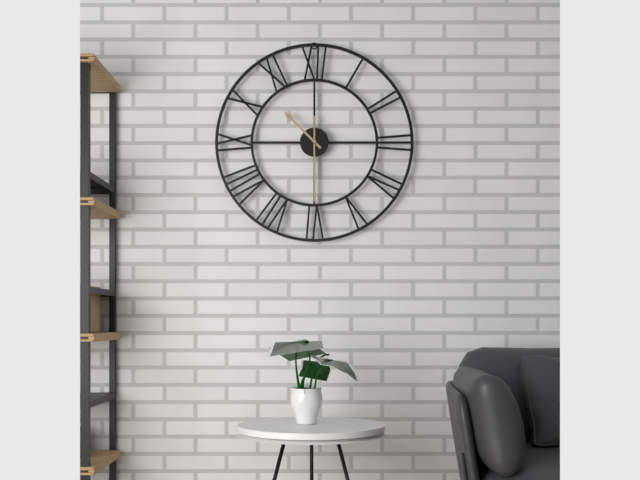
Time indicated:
{"hour": 10, "minute": 30}
